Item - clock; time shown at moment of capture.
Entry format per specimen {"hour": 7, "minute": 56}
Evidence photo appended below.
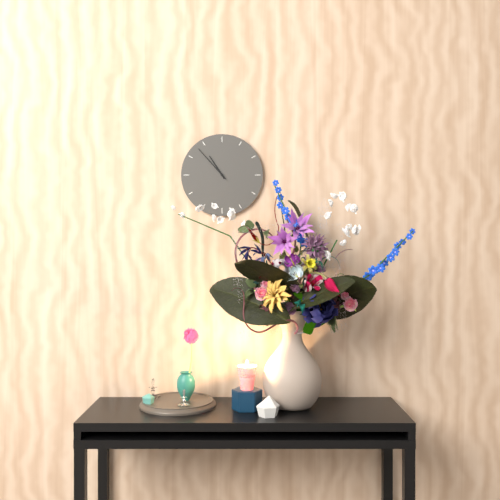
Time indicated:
{"hour": 10, "minute": 53}
